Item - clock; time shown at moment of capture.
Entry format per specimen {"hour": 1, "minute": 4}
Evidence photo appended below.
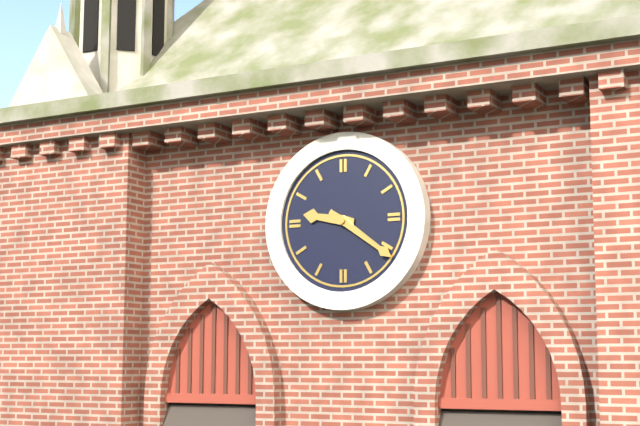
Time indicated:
{"hour": 9, "minute": 21}
